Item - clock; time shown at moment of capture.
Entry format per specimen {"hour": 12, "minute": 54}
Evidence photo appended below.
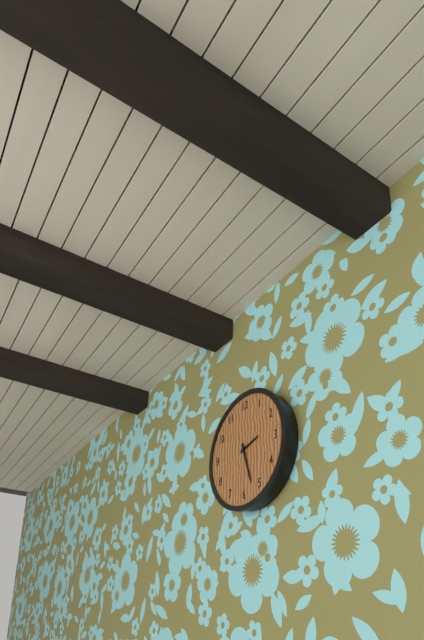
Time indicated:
{"hour": 2, "minute": 27}
